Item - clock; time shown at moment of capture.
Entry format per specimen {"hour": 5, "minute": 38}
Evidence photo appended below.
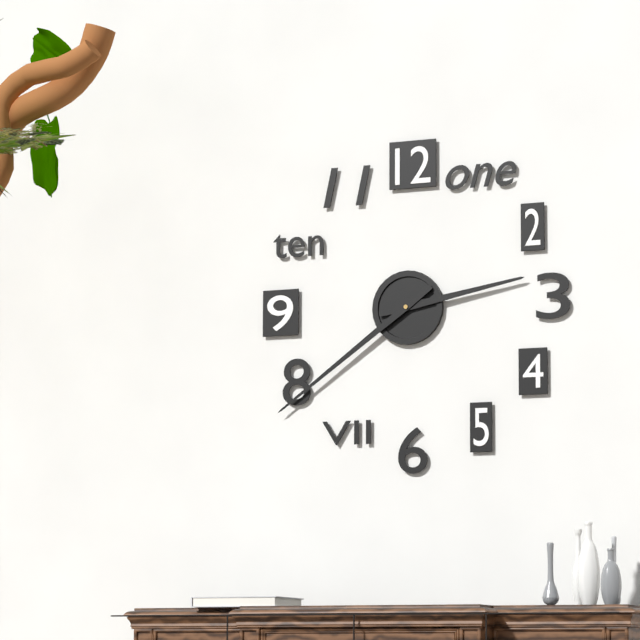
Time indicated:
{"hour": 2, "minute": 39}
